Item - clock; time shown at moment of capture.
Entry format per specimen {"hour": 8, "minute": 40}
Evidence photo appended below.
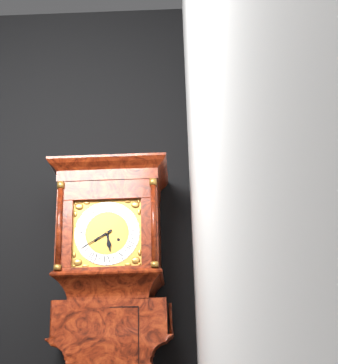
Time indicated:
{"hour": 5, "minute": 40}
